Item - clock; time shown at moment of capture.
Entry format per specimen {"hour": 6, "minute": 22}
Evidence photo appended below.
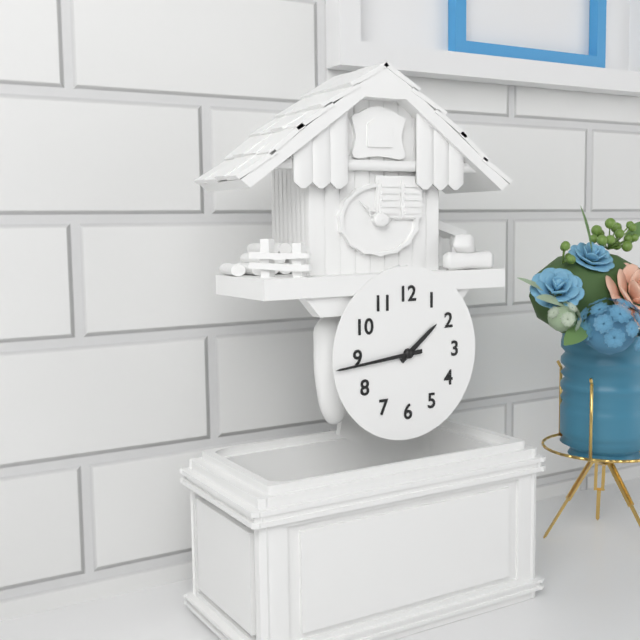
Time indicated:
{"hour": 1, "minute": 44}
